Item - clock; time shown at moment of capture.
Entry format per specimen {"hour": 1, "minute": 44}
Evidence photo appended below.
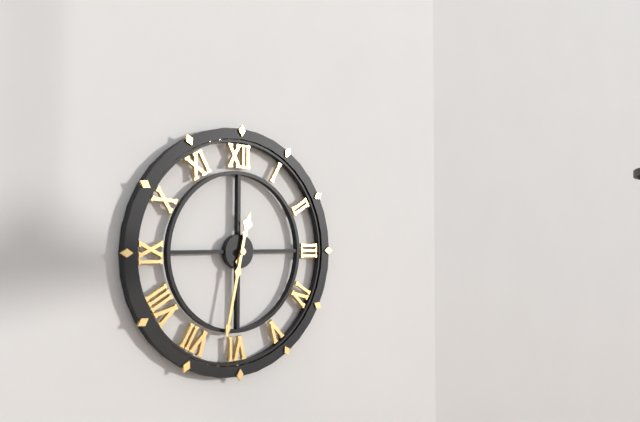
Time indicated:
{"hour": 12, "minute": 32}
